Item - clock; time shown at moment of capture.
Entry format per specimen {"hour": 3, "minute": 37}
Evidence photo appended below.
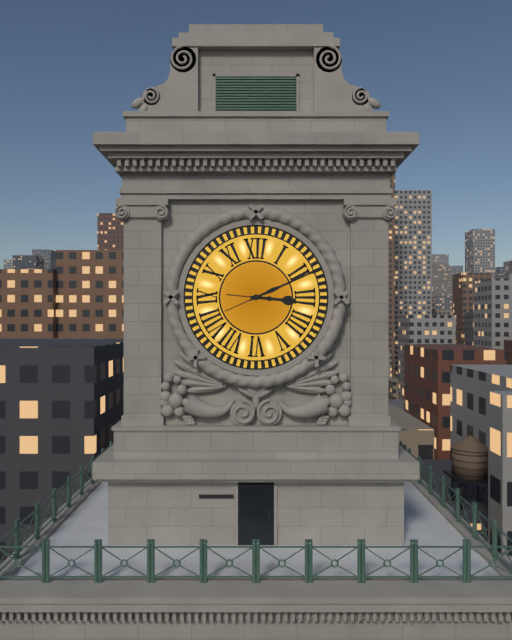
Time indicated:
{"hour": 3, "minute": 11}
